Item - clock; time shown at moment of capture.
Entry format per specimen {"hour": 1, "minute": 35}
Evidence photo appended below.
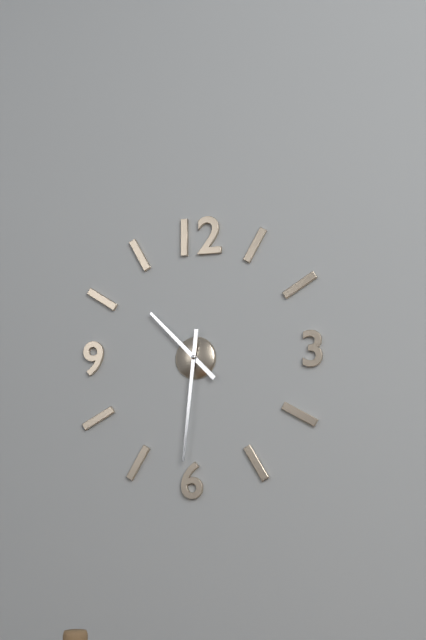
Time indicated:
{"hour": 10, "minute": 31}
